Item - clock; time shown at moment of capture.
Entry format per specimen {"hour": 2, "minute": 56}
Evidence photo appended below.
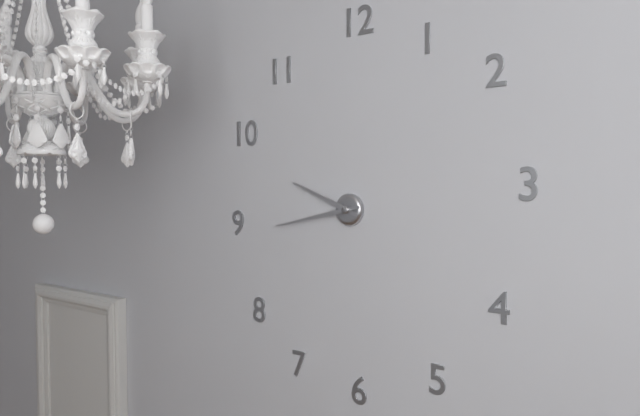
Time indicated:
{"hour": 9, "minute": 43}
